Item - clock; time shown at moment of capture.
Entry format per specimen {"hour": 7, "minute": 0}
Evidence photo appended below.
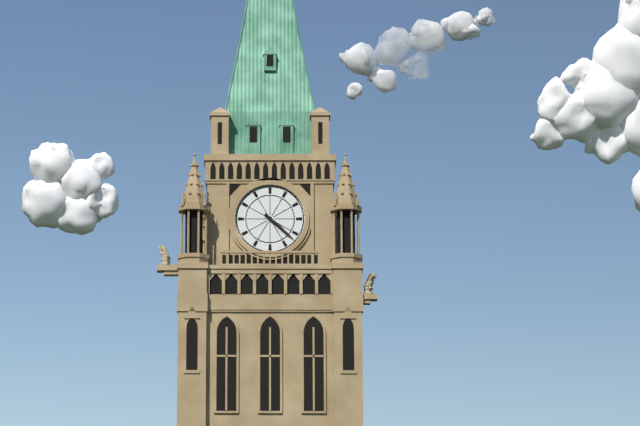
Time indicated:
{"hour": 4, "minute": 22}
